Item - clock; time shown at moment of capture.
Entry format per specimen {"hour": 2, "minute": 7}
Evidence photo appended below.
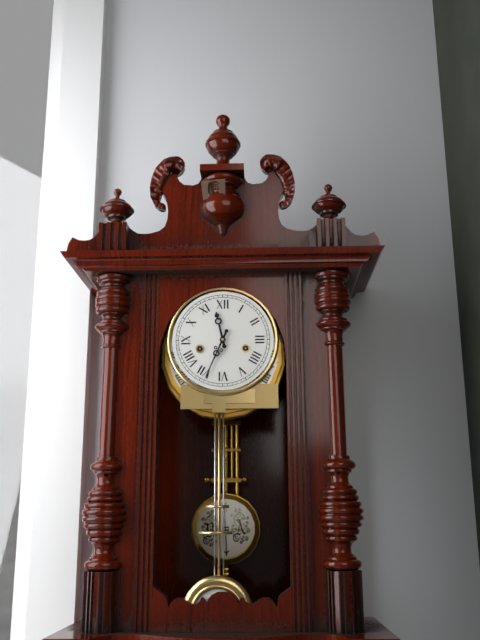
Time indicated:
{"hour": 11, "minute": 34}
